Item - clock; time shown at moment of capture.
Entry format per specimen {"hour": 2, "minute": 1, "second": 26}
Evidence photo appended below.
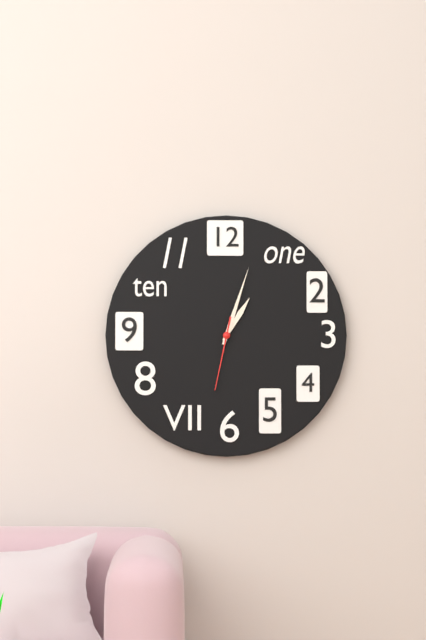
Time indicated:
{"hour": 1, "minute": 3, "second": 32}
